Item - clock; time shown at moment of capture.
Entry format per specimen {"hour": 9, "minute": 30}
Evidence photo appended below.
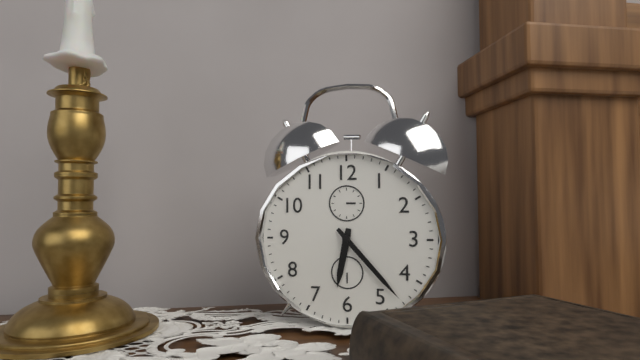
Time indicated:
{"hour": 6, "minute": 23}
